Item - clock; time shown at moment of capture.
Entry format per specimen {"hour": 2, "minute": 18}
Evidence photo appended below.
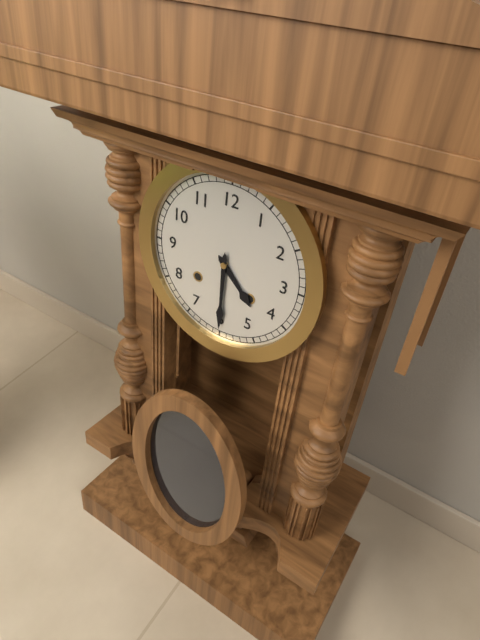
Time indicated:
{"hour": 4, "minute": 30}
